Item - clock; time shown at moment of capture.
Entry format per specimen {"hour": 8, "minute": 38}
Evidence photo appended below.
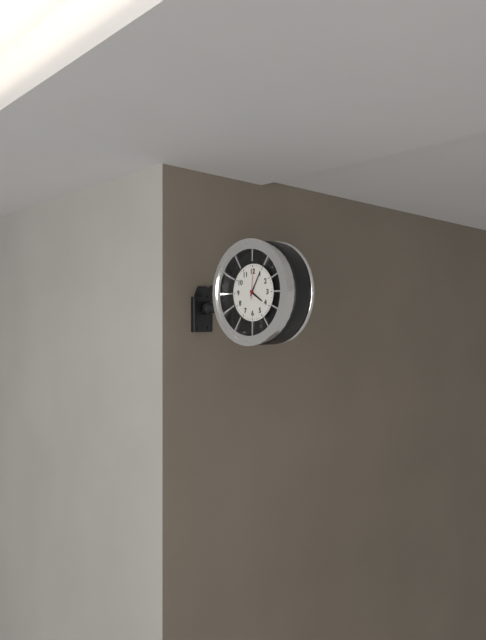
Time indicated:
{"hour": 4, "minute": 5}
